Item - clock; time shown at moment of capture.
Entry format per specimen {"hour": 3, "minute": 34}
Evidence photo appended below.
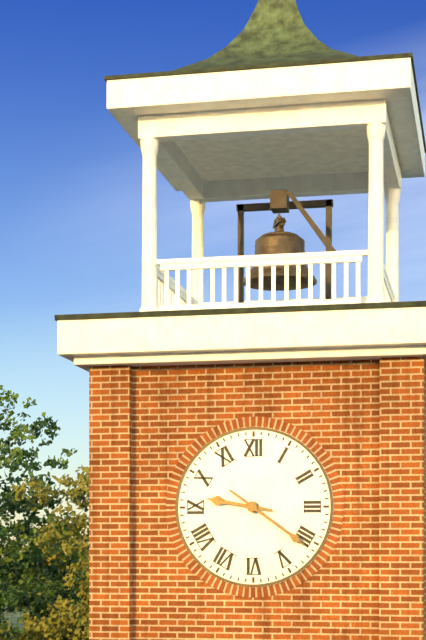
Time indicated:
{"hour": 9, "minute": 21}
